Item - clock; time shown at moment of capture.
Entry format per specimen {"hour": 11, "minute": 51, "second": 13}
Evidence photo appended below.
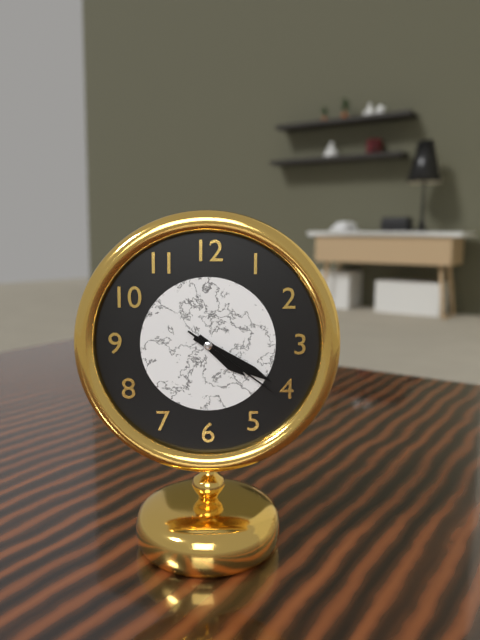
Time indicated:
{"hour": 4, "minute": 20, "second": 21}
